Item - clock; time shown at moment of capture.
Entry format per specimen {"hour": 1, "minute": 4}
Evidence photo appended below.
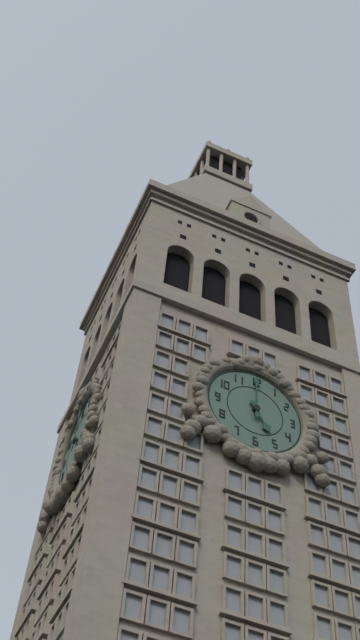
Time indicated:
{"hour": 5, "minute": 0}
